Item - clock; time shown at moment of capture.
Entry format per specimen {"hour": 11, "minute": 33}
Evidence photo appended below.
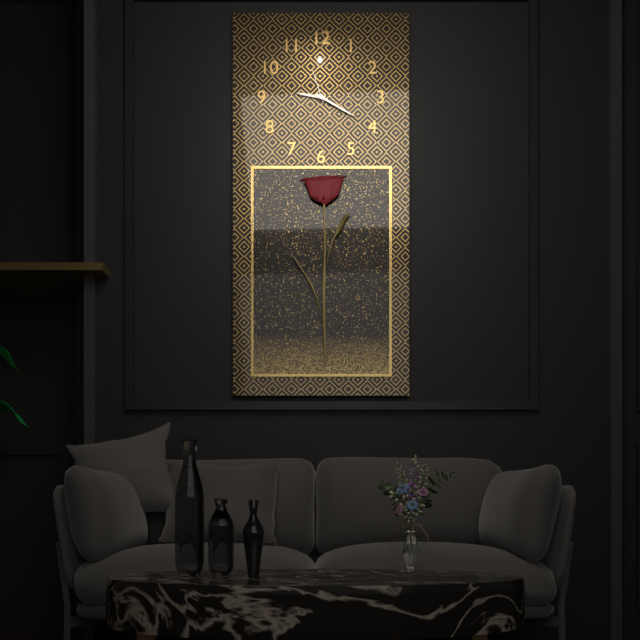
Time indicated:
{"hour": 9, "minute": 20}
